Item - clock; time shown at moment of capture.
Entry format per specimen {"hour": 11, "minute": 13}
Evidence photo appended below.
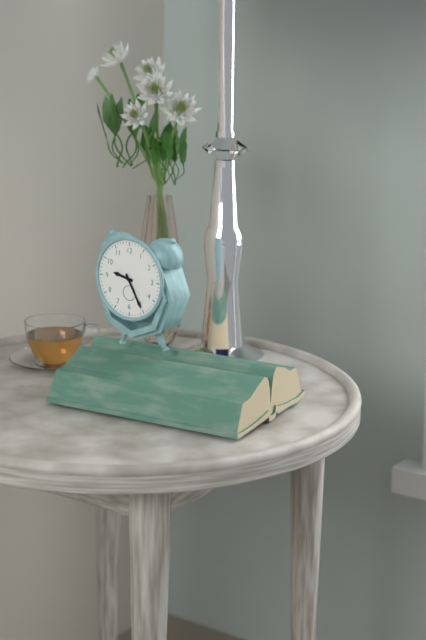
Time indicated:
{"hour": 9, "minute": 25}
